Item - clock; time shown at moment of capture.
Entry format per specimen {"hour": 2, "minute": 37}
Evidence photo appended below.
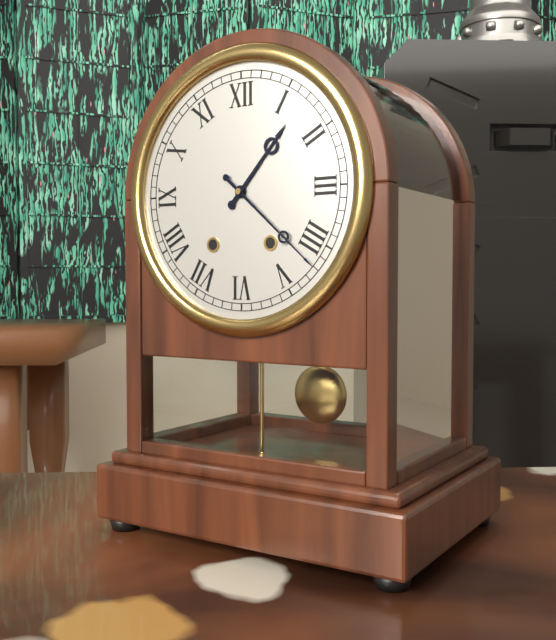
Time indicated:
{"hour": 1, "minute": 22}
